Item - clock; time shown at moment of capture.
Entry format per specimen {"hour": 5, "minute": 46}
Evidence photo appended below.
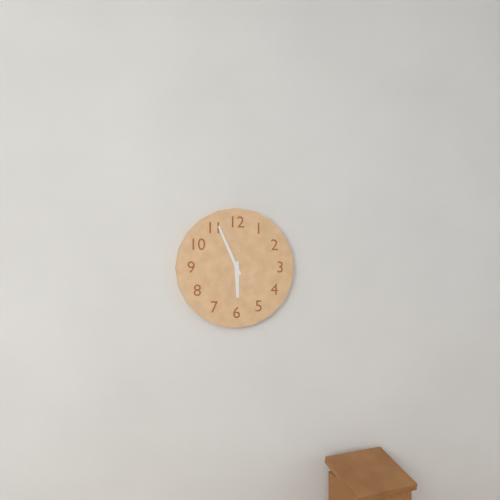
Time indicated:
{"hour": 5, "minute": 56}
